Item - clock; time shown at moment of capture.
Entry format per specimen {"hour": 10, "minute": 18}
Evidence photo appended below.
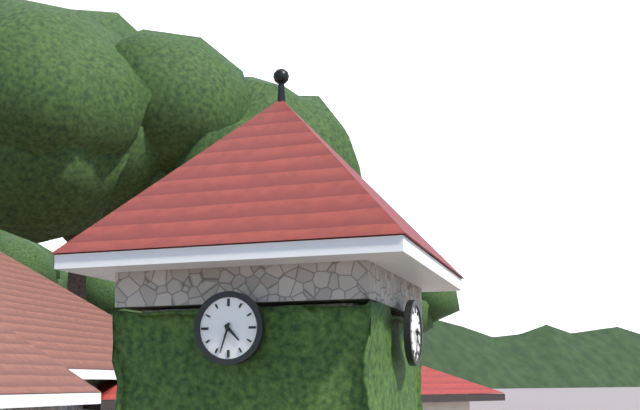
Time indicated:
{"hour": 4, "minute": 33}
